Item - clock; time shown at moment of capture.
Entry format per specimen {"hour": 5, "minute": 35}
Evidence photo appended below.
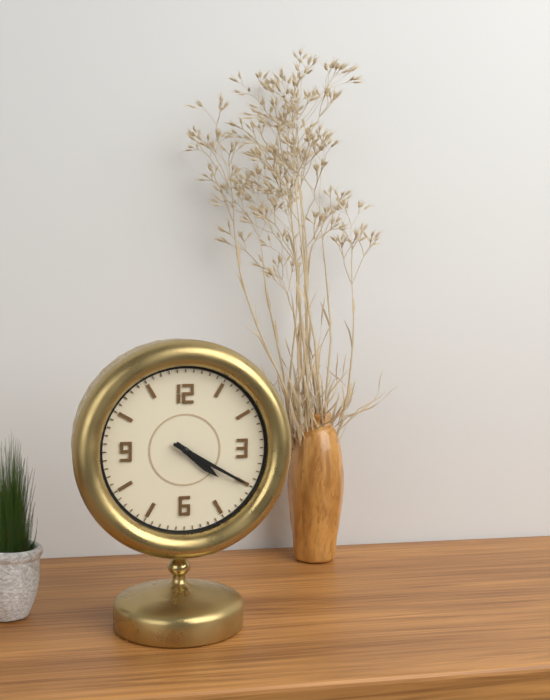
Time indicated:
{"hour": 4, "minute": 20}
